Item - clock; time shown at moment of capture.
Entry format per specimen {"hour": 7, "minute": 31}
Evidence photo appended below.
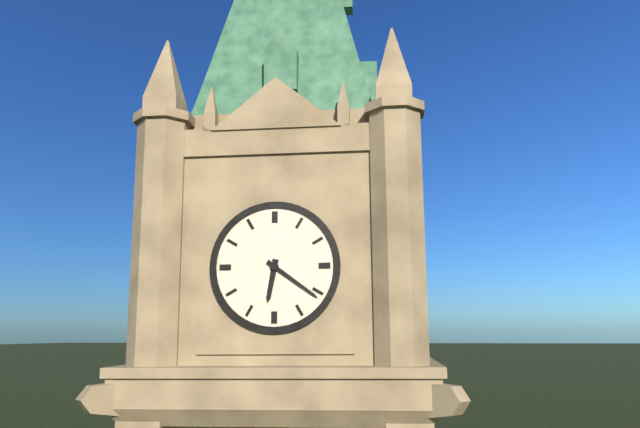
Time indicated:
{"hour": 6, "minute": 21}
